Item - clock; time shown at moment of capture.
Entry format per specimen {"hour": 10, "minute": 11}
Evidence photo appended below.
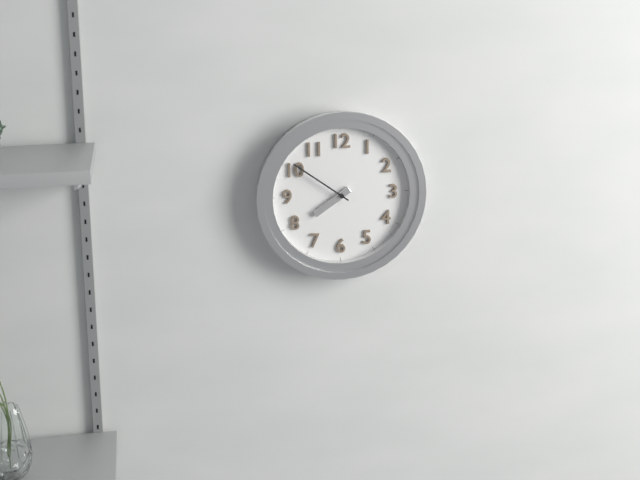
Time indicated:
{"hour": 7, "minute": 51}
